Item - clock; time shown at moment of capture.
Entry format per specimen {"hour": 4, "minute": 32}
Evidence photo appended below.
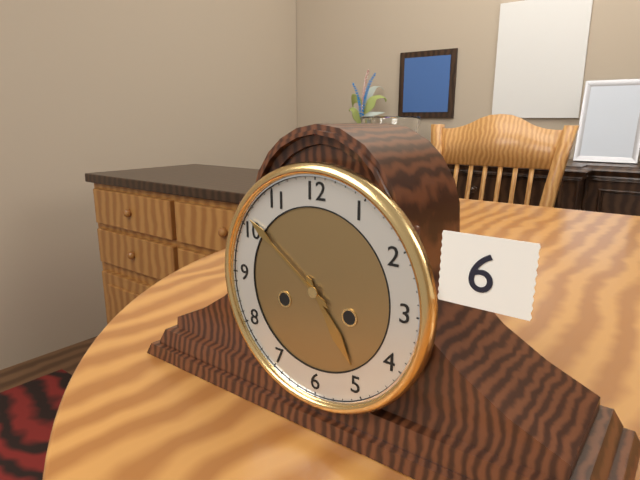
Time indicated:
{"hour": 4, "minute": 51}
